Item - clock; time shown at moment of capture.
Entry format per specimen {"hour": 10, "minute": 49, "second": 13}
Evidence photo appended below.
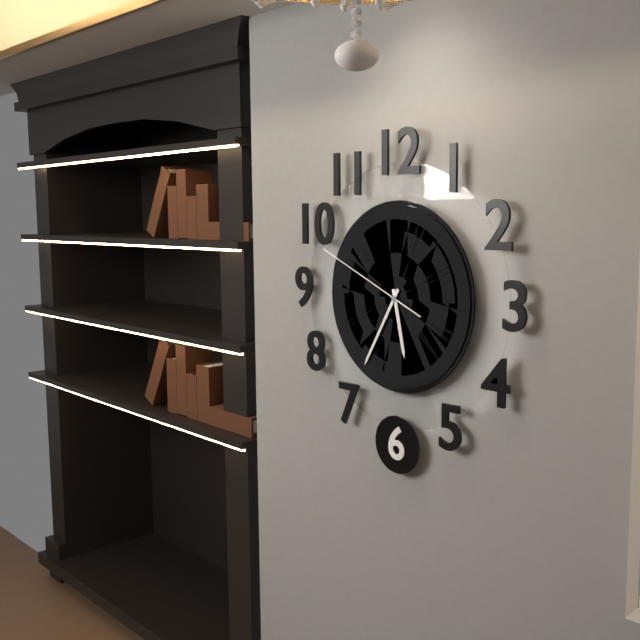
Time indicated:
{"hour": 5, "minute": 35, "second": 49}
